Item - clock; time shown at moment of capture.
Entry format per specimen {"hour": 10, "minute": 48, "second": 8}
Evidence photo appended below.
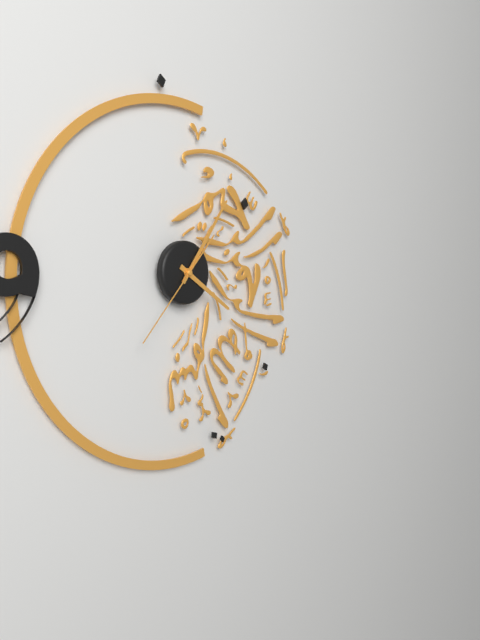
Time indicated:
{"hour": 4, "minute": 6, "second": 37}
